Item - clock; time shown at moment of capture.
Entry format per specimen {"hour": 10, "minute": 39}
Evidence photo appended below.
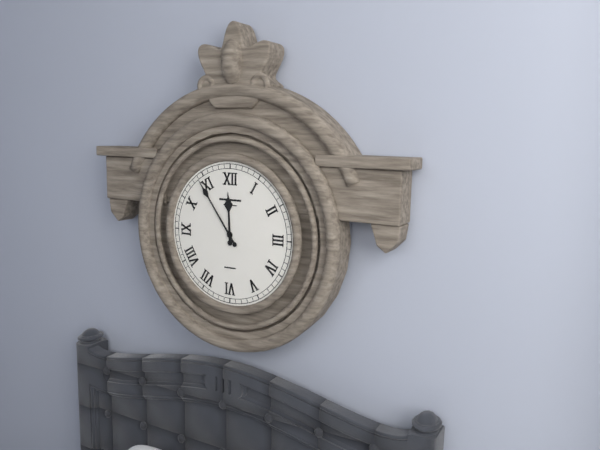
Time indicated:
{"hour": 11, "minute": 54}
